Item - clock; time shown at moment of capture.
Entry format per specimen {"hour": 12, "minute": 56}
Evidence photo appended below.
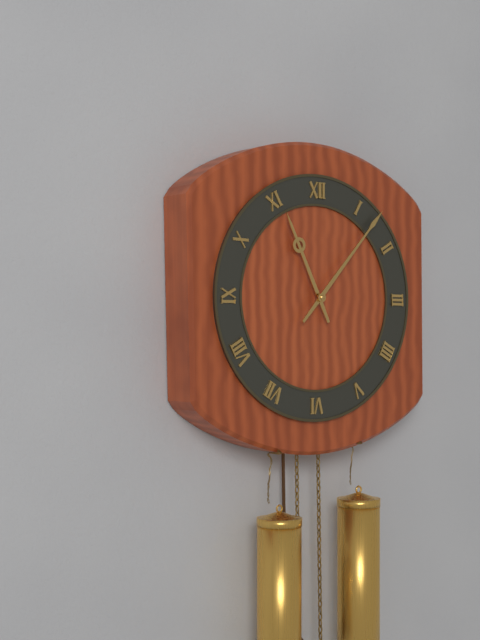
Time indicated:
{"hour": 11, "minute": 7}
